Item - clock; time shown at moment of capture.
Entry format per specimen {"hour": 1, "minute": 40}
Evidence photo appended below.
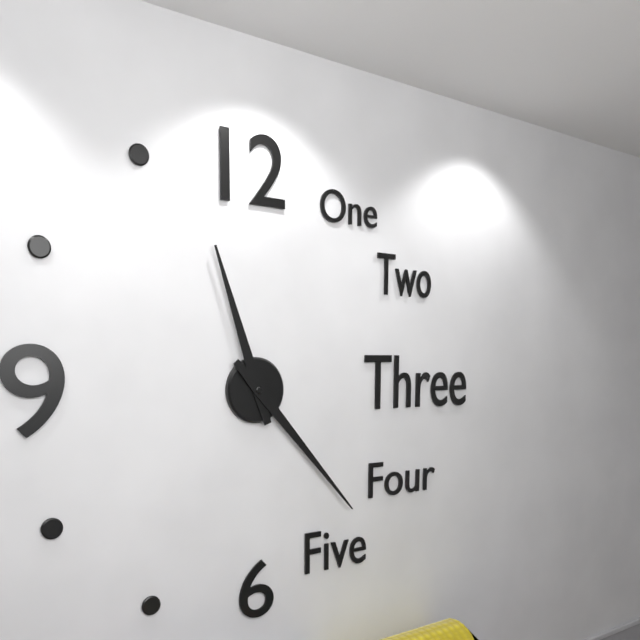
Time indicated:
{"hour": 11, "minute": 23}
